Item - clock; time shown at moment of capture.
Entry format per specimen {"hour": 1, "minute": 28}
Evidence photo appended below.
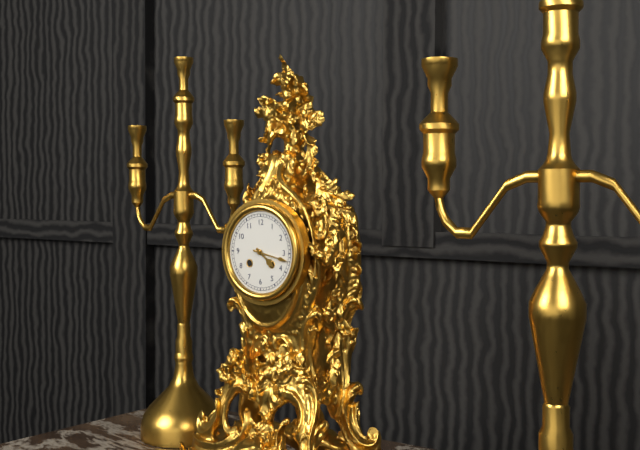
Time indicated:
{"hour": 4, "minute": 17}
